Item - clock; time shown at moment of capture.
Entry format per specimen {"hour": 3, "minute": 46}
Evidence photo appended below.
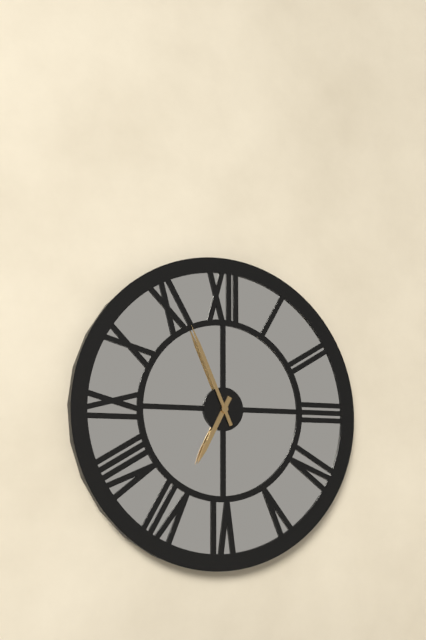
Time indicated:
{"hour": 6, "minute": 56}
